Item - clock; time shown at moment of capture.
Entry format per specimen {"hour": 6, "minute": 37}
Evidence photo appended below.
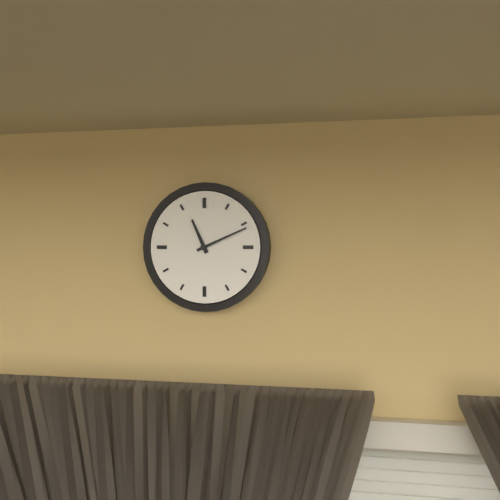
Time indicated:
{"hour": 11, "minute": 11}
